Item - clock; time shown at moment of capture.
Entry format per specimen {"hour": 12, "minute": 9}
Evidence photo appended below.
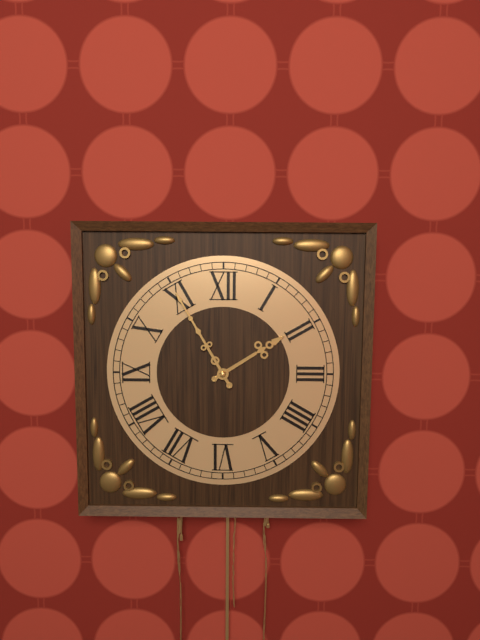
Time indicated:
{"hour": 1, "minute": 55}
